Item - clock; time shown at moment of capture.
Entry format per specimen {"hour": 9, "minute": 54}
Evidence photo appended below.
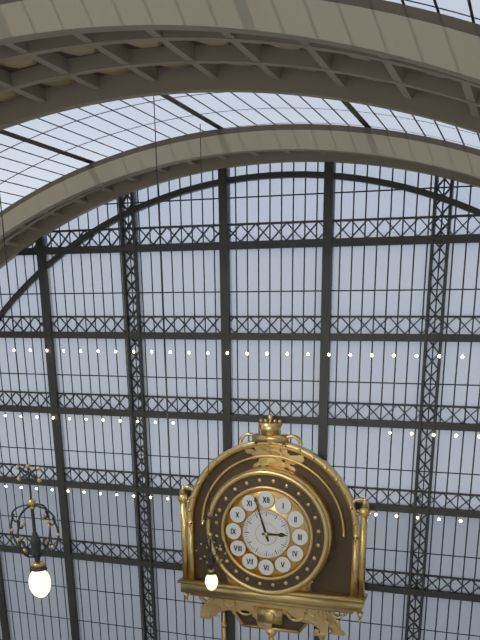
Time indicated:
{"hour": 2, "minute": 57}
